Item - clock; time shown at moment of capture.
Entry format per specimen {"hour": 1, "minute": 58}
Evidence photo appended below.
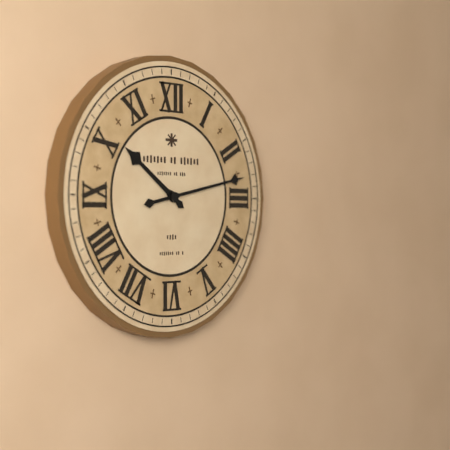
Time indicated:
{"hour": 10, "minute": 13}
